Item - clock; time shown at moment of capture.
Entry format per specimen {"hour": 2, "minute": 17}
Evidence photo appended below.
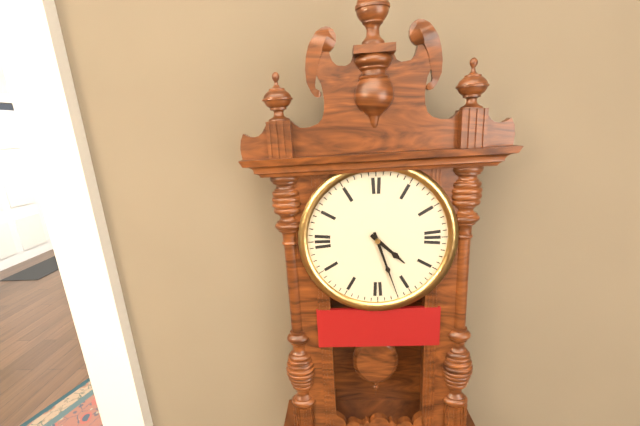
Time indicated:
{"hour": 4, "minute": 27}
